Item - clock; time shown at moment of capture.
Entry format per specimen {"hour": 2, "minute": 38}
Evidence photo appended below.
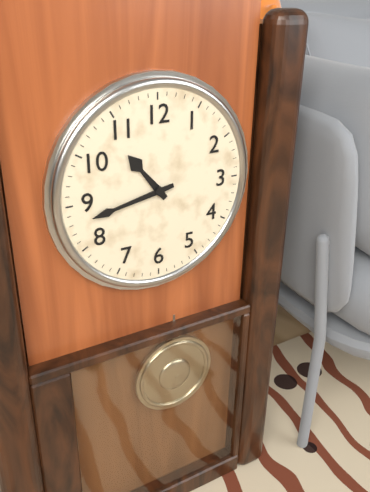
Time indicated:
{"hour": 10, "minute": 43}
